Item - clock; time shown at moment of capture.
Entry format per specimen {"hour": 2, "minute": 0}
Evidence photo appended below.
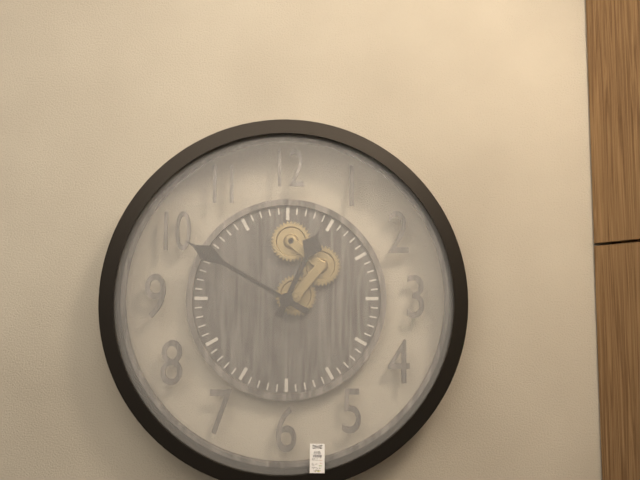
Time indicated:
{"hour": 12, "minute": 50}
